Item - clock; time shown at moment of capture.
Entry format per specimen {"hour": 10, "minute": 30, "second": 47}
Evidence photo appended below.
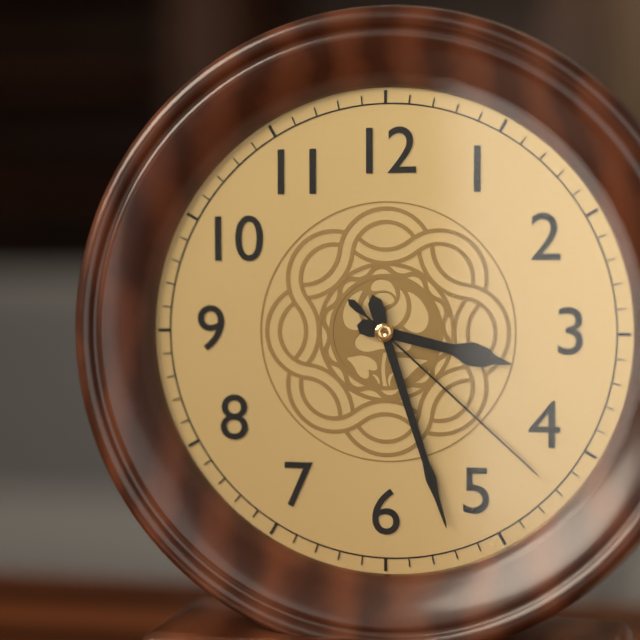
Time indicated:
{"hour": 3, "minute": 27, "second": 22}
